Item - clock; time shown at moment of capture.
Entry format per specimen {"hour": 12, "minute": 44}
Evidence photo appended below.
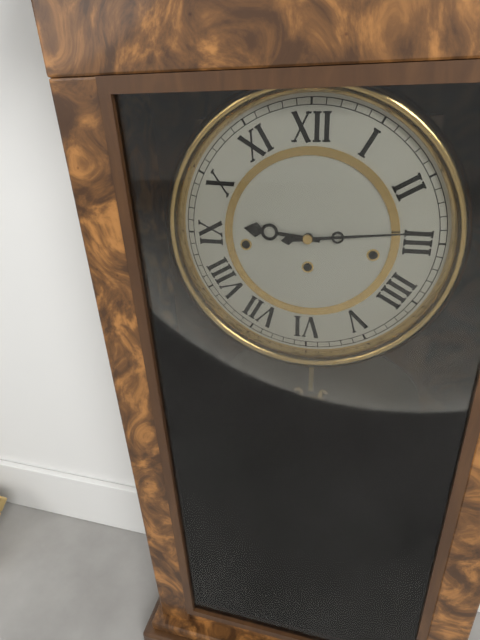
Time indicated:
{"hour": 9, "minute": 14}
